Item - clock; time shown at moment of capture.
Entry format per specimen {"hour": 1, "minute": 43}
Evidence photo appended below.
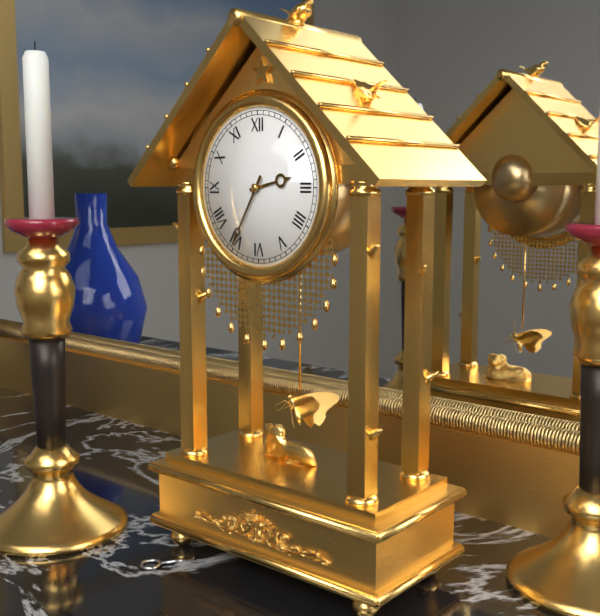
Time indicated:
{"hour": 2, "minute": 35}
